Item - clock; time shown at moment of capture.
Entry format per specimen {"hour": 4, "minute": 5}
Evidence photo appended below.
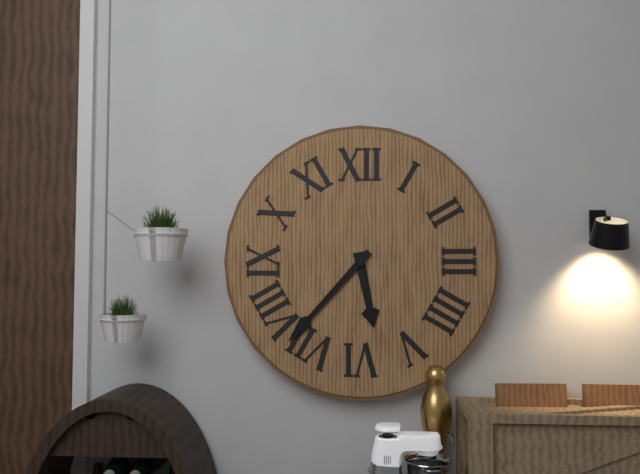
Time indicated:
{"hour": 5, "minute": 37}
